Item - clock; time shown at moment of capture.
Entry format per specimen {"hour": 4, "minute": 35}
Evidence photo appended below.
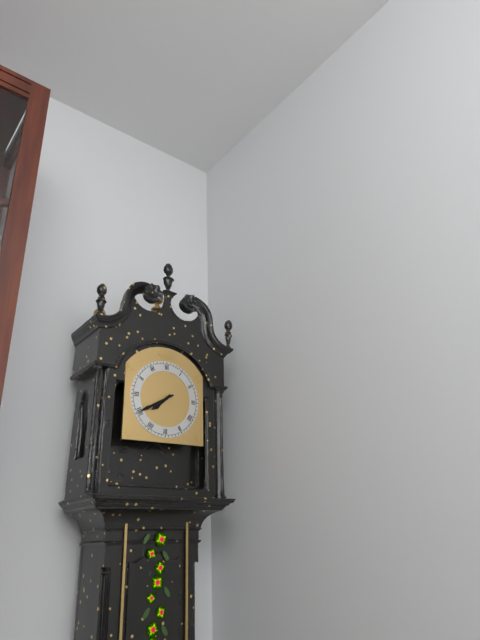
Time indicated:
{"hour": 7, "minute": 40}
